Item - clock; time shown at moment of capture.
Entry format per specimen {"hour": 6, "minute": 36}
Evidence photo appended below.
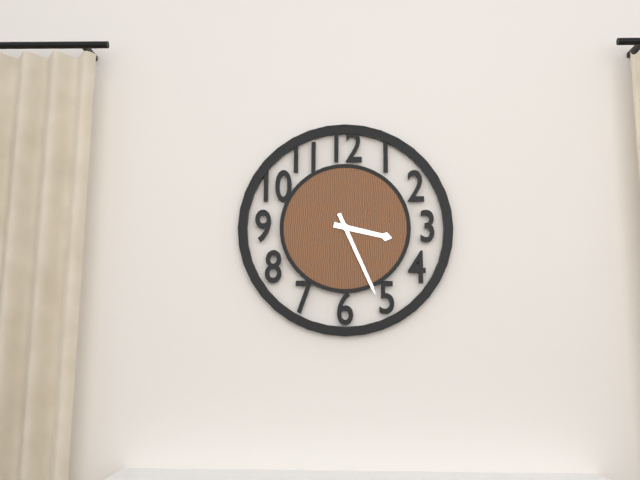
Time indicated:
{"hour": 3, "minute": 26}
